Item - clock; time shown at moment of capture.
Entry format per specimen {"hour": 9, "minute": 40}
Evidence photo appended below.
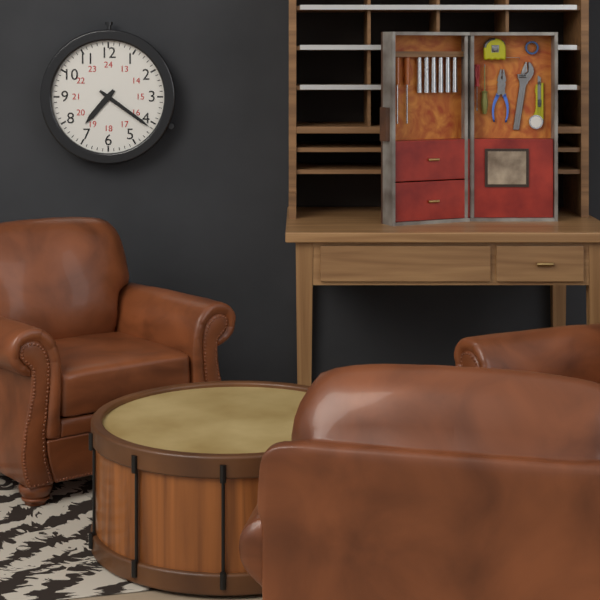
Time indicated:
{"hour": 7, "minute": 21}
